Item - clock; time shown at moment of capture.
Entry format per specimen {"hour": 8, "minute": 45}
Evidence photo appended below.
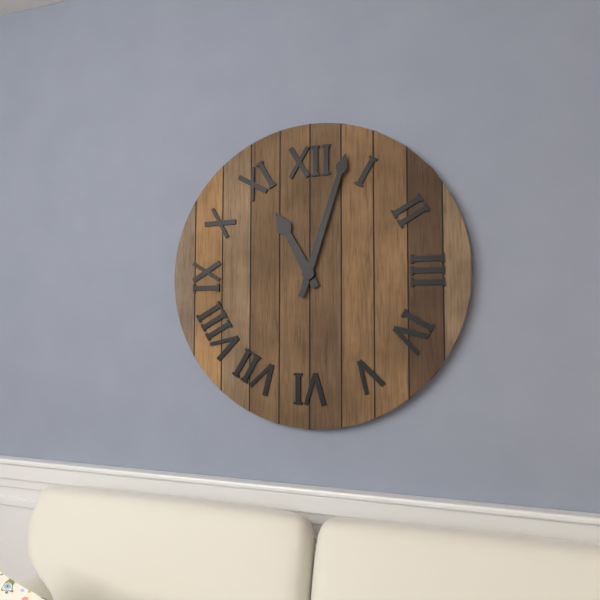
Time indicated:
{"hour": 11, "minute": 3}
